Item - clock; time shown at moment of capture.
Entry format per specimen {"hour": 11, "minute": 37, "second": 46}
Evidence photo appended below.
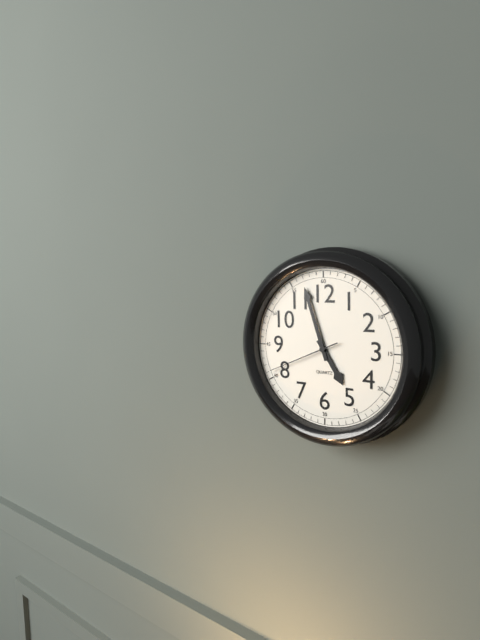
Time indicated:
{"hour": 4, "minute": 57, "second": 41}
